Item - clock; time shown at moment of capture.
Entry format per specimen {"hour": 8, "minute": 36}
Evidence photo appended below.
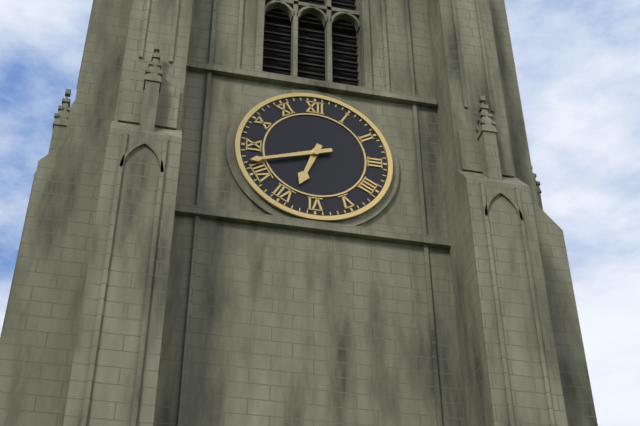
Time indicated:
{"hour": 6, "minute": 42}
